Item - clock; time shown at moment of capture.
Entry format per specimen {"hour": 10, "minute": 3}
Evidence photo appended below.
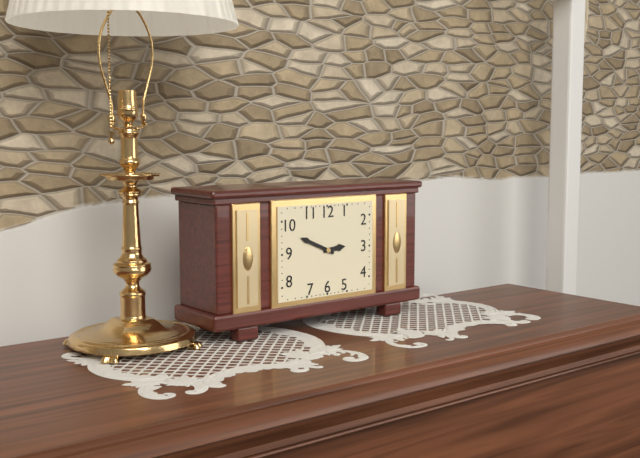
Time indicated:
{"hour": 2, "minute": 49}
